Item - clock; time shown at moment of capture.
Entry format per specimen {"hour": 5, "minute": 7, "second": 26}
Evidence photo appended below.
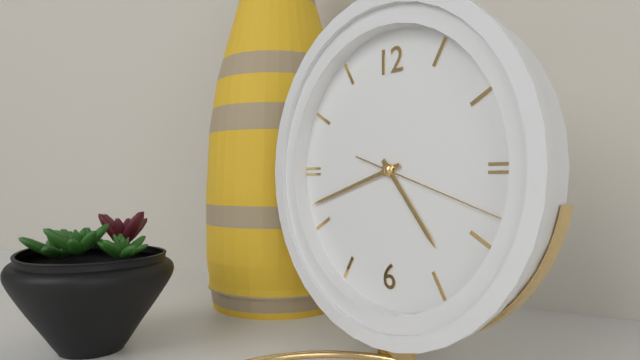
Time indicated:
{"hour": 4, "minute": 42, "second": 18}
